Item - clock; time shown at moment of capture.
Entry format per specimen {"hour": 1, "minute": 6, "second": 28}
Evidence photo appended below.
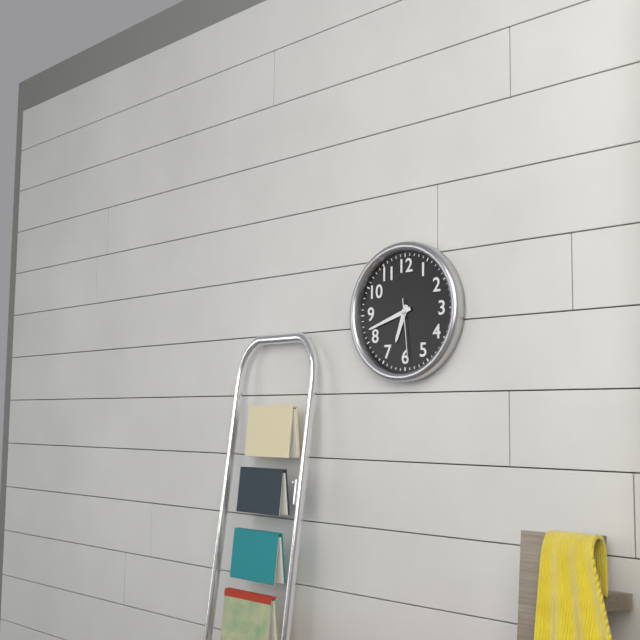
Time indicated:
{"hour": 6, "minute": 42, "second": 29}
